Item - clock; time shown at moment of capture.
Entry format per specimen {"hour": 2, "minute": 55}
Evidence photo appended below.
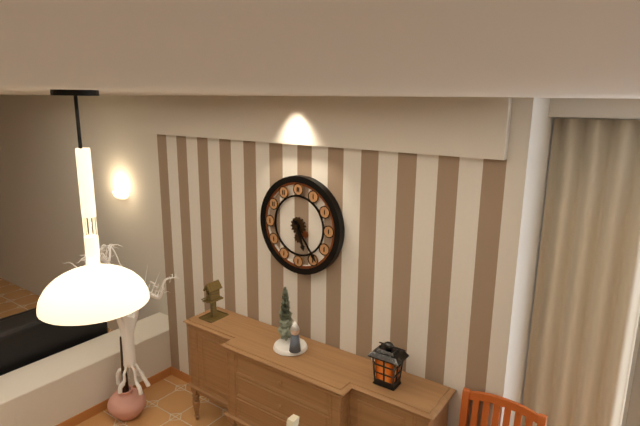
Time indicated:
{"hour": 5, "minute": 24}
